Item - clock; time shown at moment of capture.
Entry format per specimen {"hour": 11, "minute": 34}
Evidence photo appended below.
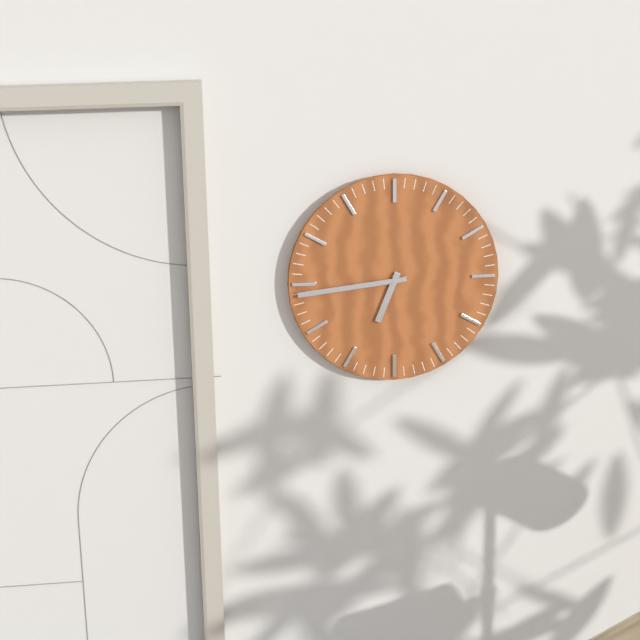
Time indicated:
{"hour": 6, "minute": 44}
